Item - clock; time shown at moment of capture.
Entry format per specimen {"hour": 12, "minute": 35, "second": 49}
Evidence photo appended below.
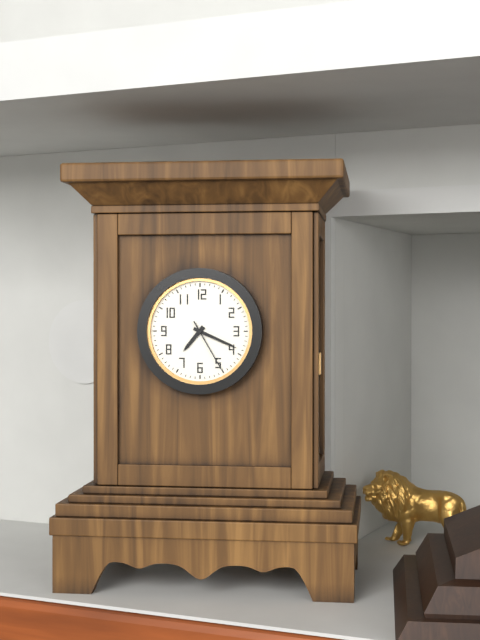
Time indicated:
{"hour": 7, "minute": 19, "second": 25}
